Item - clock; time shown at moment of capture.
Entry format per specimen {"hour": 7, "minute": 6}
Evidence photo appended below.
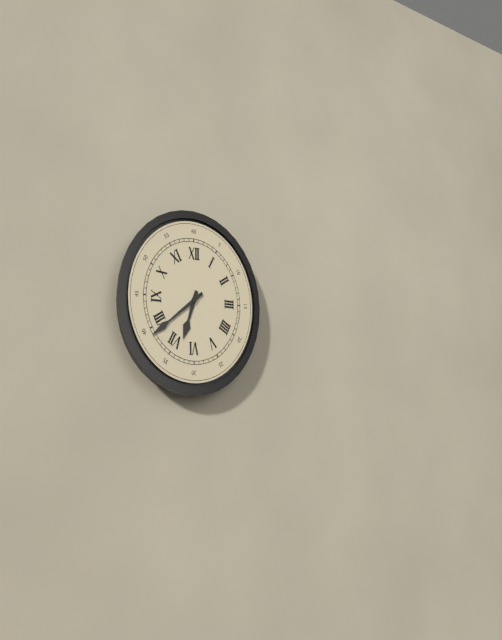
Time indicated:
{"hour": 6, "minute": 39}
